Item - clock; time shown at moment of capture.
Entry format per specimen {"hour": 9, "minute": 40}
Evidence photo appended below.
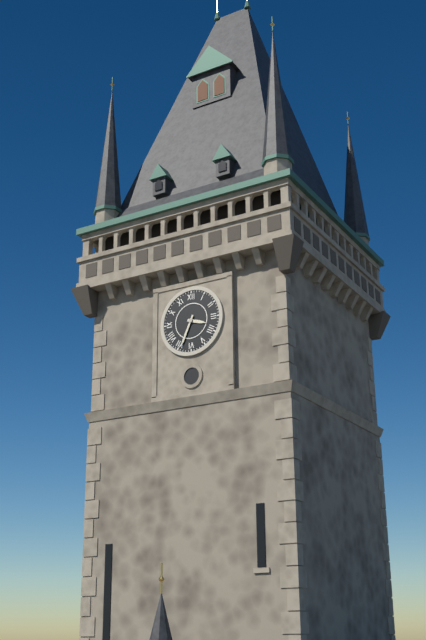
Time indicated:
{"hour": 3, "minute": 34}
